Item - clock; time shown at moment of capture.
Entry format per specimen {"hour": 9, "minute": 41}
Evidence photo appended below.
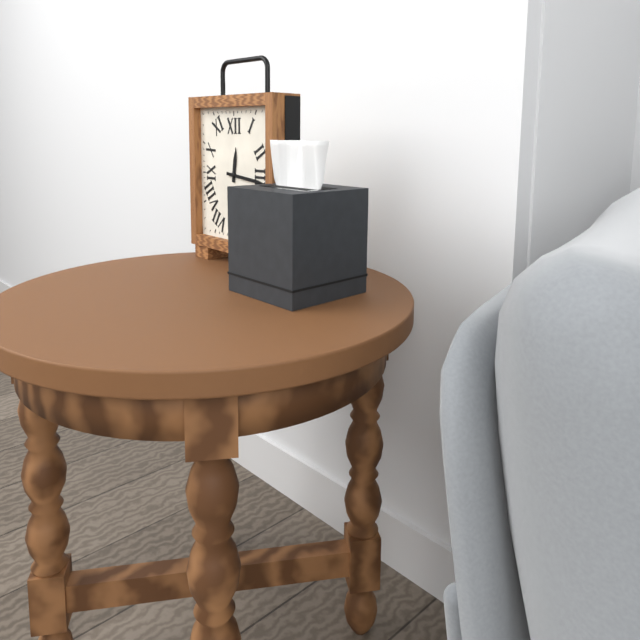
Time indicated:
{"hour": 12, "minute": 16}
